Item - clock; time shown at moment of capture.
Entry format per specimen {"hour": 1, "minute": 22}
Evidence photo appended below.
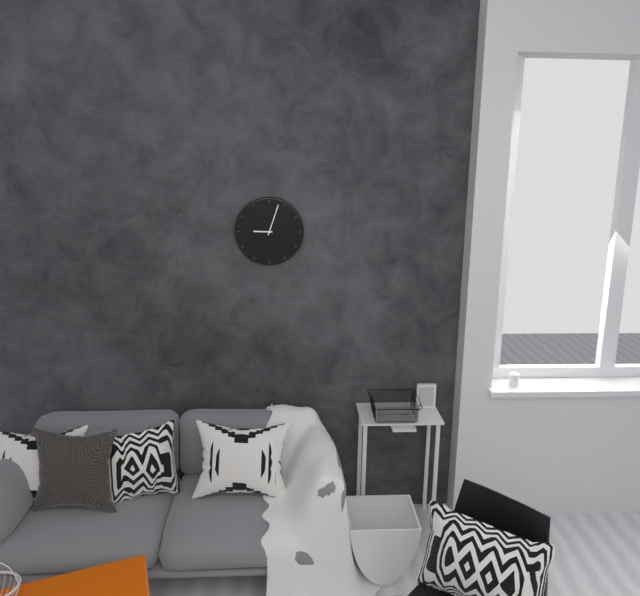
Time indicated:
{"hour": 9, "minute": 3}
